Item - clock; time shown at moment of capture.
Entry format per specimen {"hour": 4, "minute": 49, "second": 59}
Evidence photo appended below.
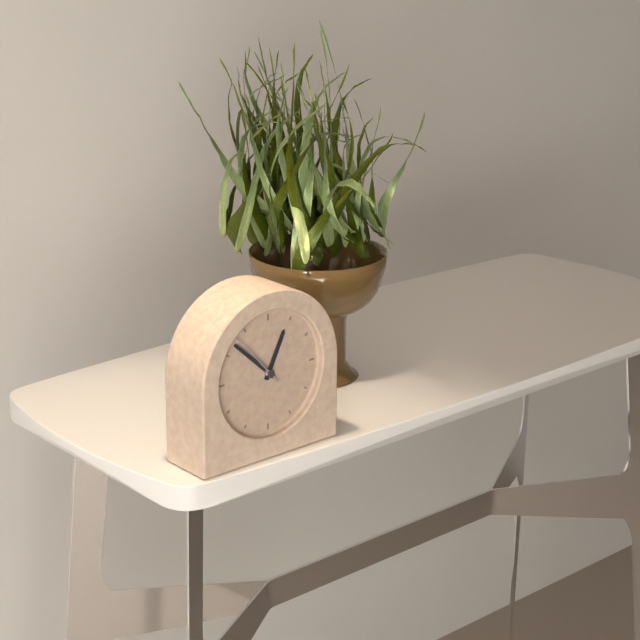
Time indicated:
{"hour": 12, "minute": 52, "second": 53}
